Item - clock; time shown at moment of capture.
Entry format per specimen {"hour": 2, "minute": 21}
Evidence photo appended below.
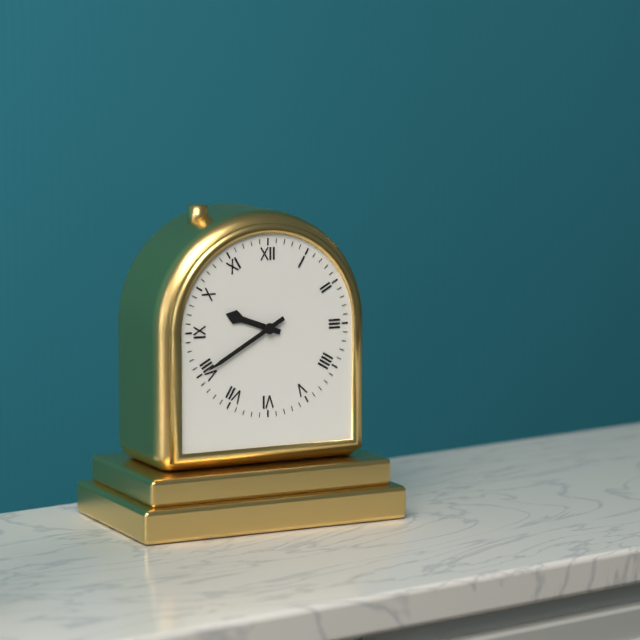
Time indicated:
{"hour": 9, "minute": 40}
